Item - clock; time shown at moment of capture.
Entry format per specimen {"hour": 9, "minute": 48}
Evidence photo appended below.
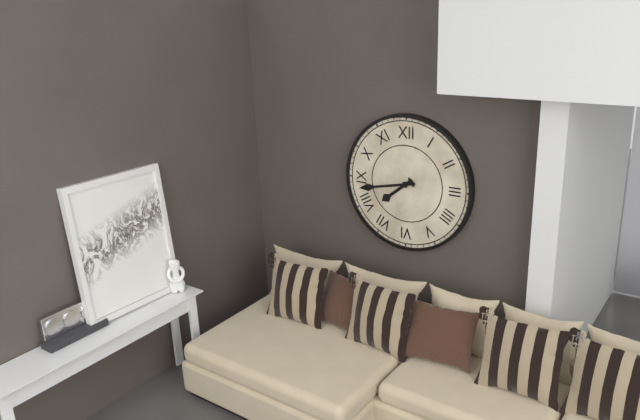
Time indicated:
{"hour": 7, "minute": 43}
